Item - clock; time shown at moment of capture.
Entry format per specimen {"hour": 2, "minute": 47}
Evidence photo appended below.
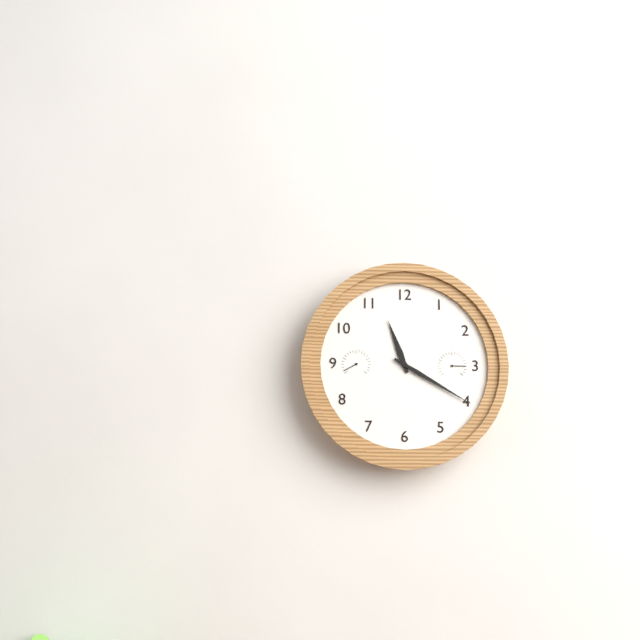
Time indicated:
{"hour": 11, "minute": 20}
